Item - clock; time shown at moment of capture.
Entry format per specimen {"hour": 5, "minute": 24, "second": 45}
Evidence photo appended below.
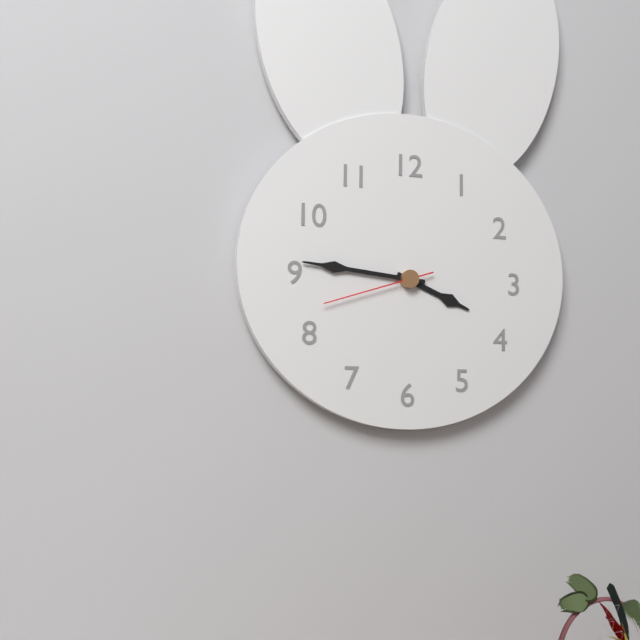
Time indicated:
{"hour": 3, "minute": 46, "second": 42}
